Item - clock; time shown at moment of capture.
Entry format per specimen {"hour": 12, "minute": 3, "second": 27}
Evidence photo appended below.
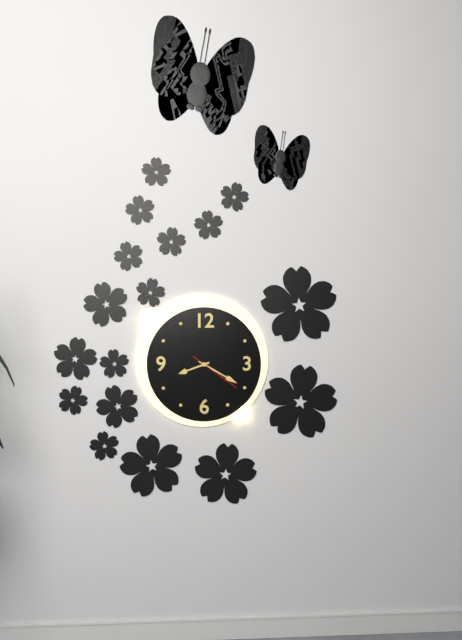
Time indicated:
{"hour": 8, "minute": 20, "second": 21}
